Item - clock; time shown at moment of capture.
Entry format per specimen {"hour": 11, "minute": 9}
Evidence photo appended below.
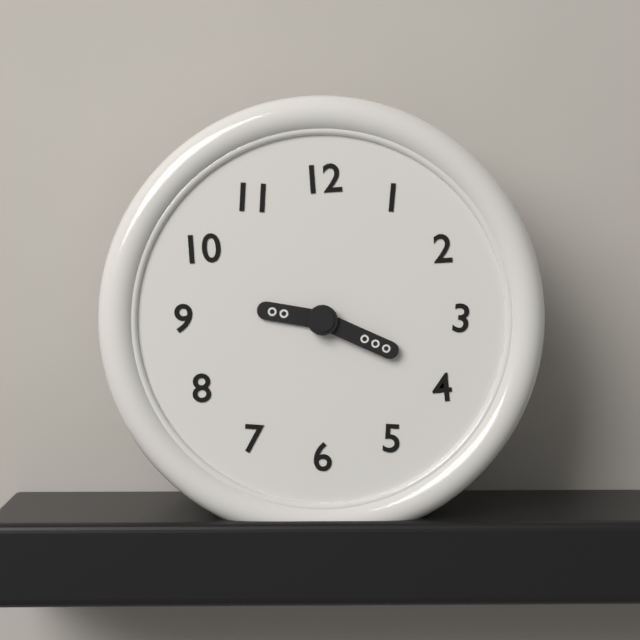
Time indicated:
{"hour": 9, "minute": 19}
